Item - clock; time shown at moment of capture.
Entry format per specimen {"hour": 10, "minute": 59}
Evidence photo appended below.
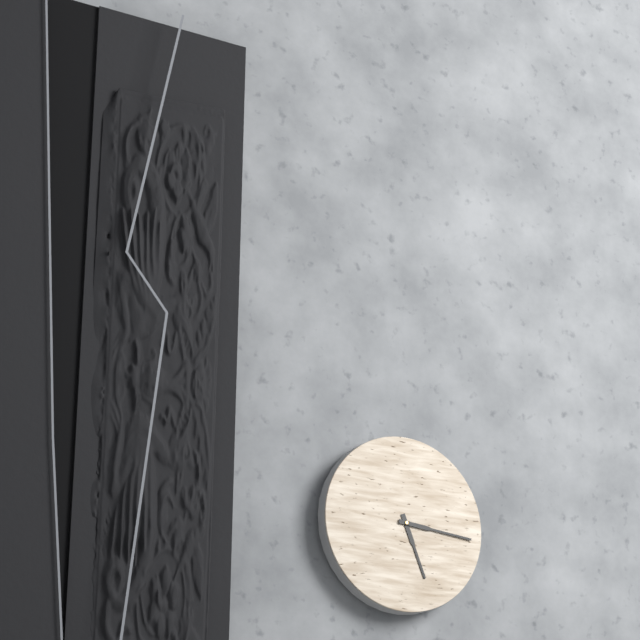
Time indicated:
{"hour": 5, "minute": 16}
